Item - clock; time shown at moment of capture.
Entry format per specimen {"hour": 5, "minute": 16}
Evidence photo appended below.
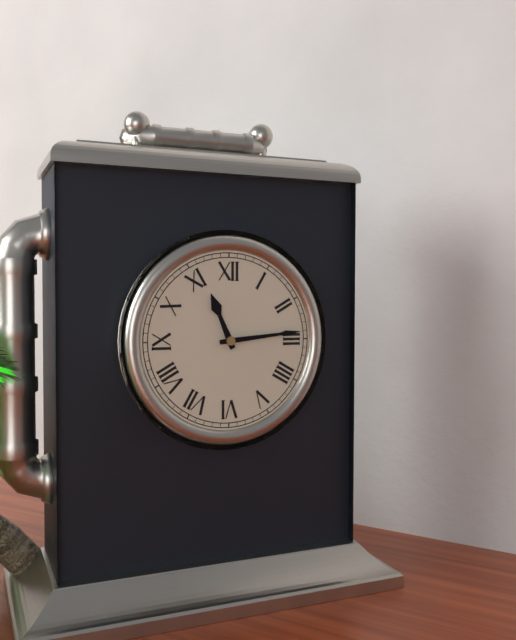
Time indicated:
{"hour": 11, "minute": 14}
